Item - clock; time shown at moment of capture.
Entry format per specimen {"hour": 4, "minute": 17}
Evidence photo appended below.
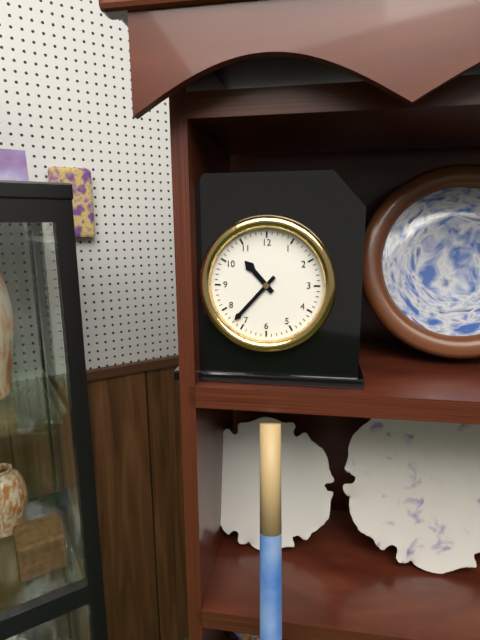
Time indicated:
{"hour": 10, "minute": 37}
